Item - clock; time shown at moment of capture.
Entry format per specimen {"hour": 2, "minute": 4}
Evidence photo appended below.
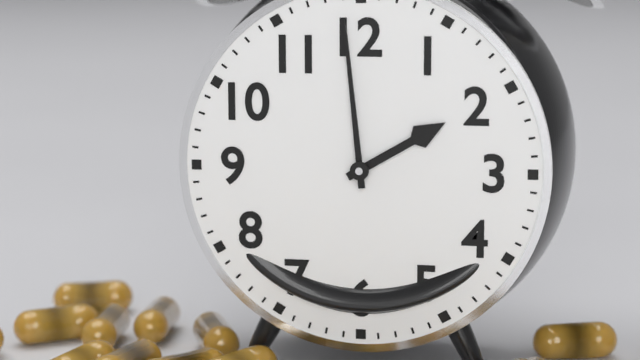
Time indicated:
{"hour": 1, "minute": 59}
